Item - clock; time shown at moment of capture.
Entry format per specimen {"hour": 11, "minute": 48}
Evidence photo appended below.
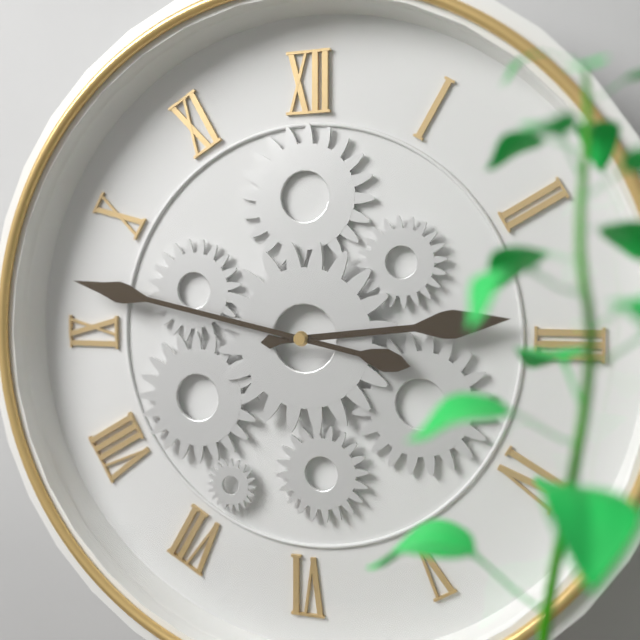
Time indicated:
{"hour": 2, "minute": 47}
